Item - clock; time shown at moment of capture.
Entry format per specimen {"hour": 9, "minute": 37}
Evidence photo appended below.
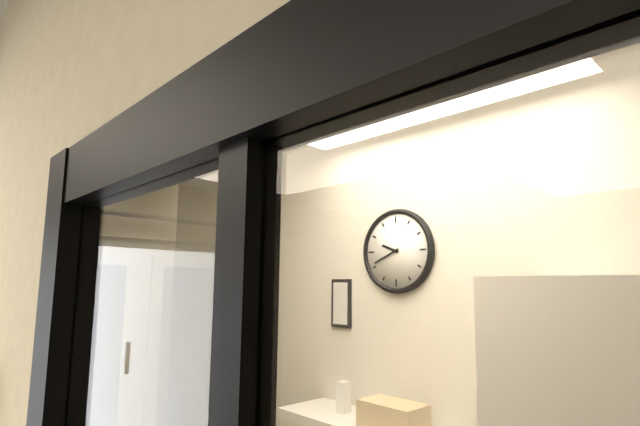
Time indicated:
{"hour": 9, "minute": 41}
